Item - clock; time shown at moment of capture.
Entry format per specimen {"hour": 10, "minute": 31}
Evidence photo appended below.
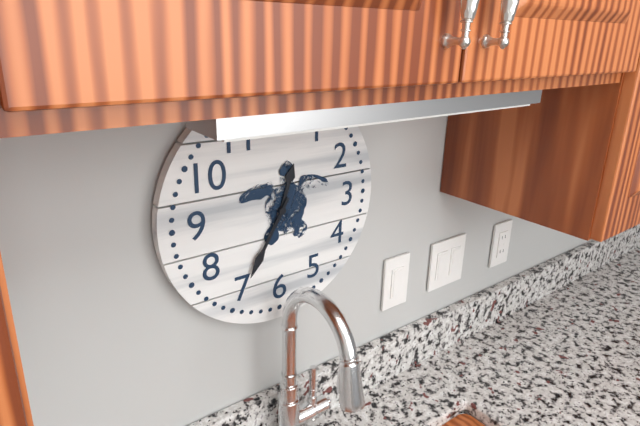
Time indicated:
{"hour": 12, "minute": 35}
